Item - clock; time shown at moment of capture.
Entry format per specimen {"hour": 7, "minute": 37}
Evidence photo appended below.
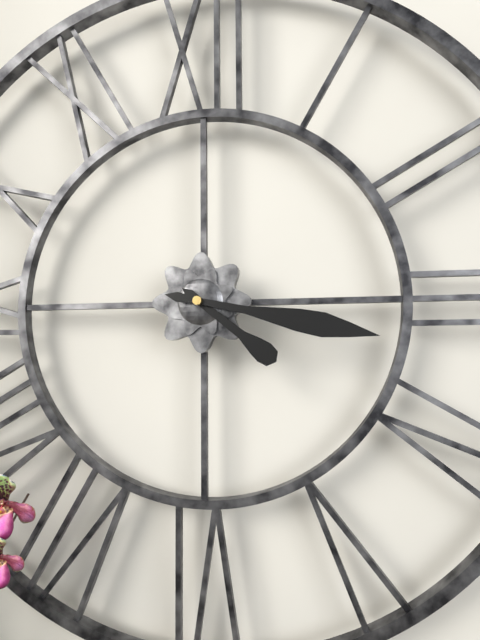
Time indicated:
{"hour": 4, "minute": 17}
